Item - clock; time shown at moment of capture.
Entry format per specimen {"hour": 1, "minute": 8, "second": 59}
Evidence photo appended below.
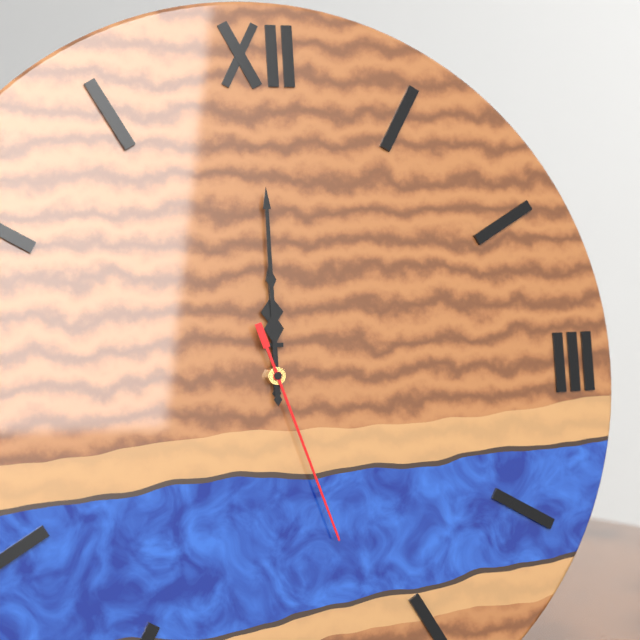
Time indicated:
{"hour": 12, "minute": 0, "second": 27}
